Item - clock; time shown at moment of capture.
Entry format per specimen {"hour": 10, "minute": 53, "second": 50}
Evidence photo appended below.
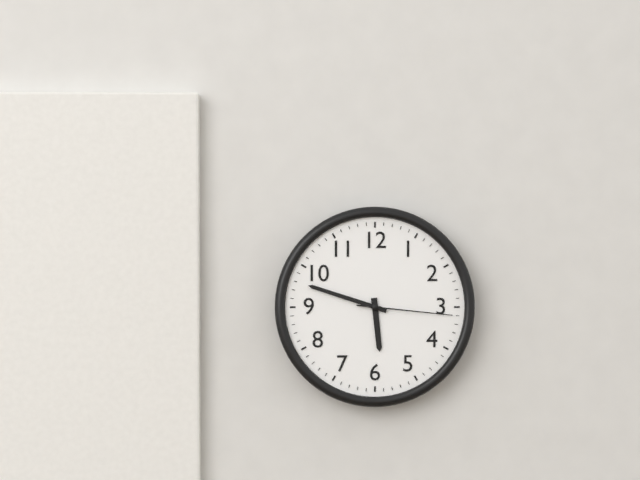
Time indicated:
{"hour": 5, "minute": 48, "second": 16}
